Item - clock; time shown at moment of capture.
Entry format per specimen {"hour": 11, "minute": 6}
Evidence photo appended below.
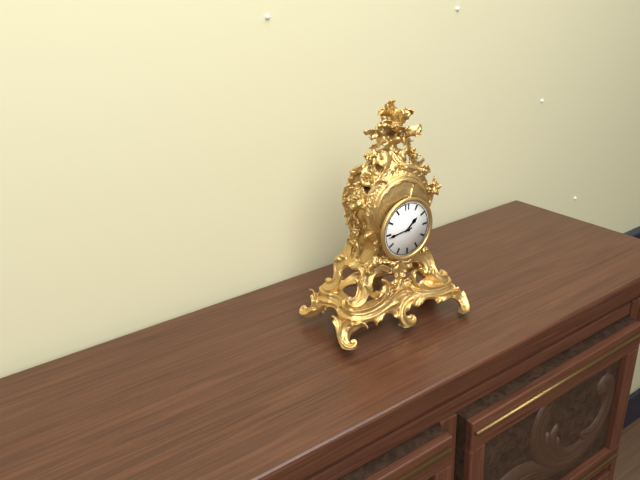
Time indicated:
{"hour": 1, "minute": 44}
